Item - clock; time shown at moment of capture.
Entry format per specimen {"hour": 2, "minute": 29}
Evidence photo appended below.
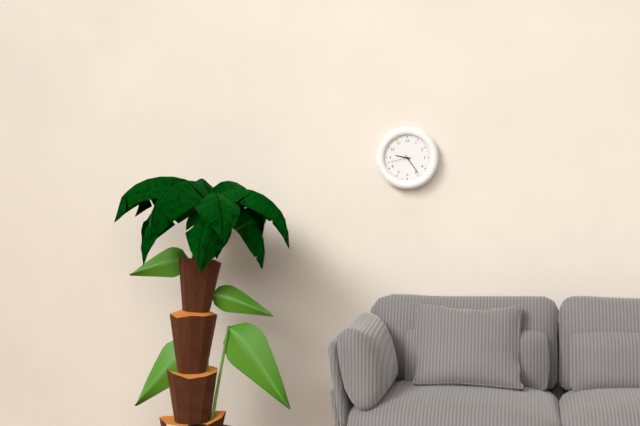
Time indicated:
{"hour": 9, "minute": 24}
